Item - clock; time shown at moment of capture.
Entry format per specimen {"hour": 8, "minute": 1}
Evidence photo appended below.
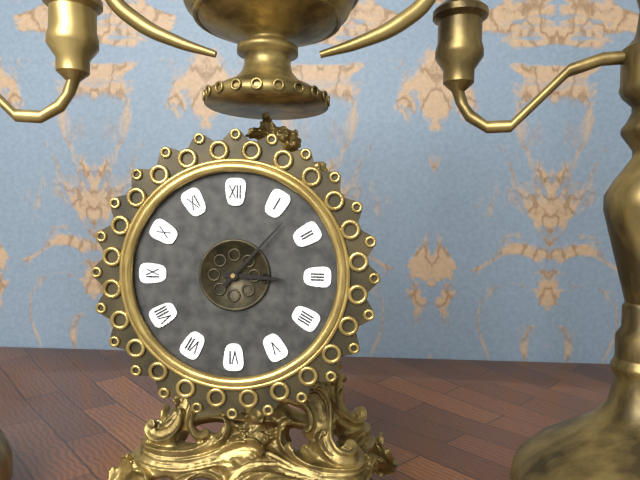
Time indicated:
{"hour": 3, "minute": 7}
